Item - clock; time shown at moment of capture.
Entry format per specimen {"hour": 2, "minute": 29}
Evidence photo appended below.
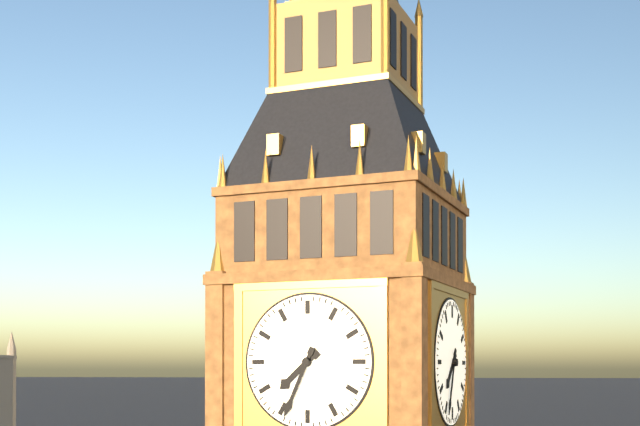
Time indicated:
{"hour": 7, "minute": 34}
